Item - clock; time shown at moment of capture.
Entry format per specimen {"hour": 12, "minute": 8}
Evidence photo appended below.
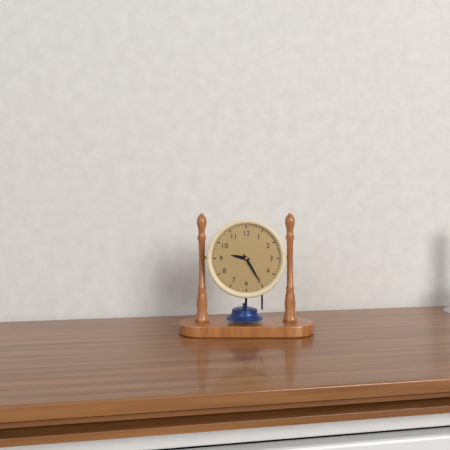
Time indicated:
{"hour": 9, "minute": 25}
